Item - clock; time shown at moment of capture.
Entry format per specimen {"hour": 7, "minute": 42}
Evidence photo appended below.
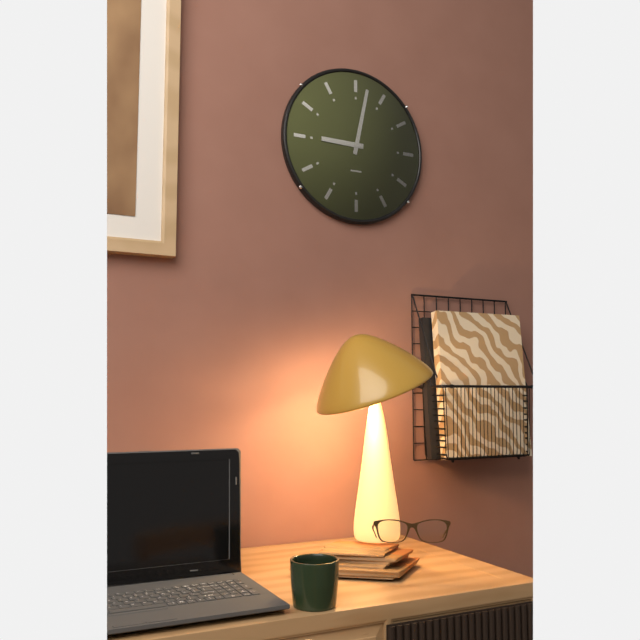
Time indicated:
{"hour": 9, "minute": 2}
